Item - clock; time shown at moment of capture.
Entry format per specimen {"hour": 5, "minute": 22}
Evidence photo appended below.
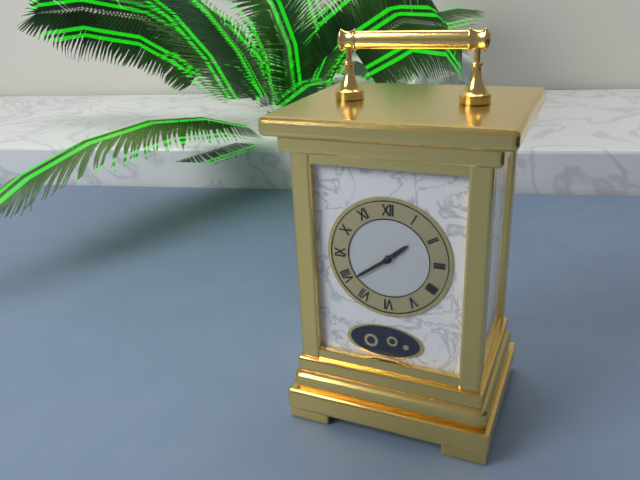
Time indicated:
{"hour": 1, "minute": 39}
